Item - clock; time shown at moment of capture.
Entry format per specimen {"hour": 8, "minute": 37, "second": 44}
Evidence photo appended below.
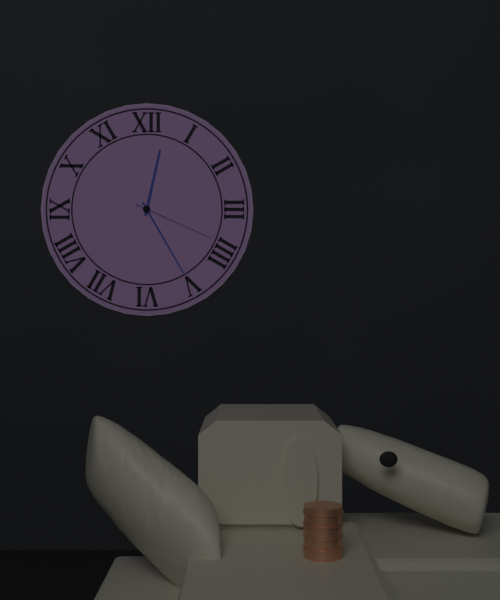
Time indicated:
{"hour": 12, "minute": 25, "second": 19}
